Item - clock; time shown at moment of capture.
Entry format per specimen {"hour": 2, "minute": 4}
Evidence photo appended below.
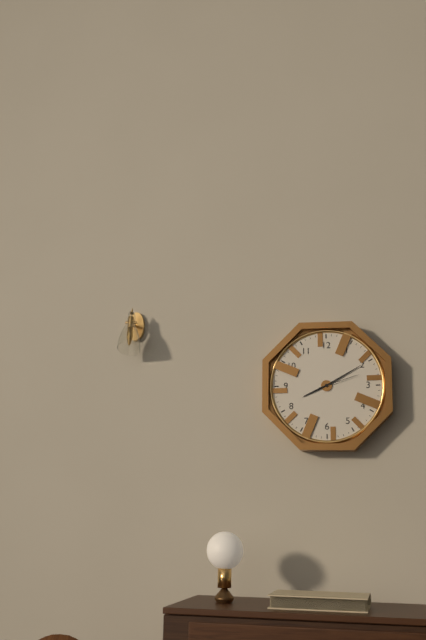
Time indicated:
{"hour": 8, "minute": 10}
